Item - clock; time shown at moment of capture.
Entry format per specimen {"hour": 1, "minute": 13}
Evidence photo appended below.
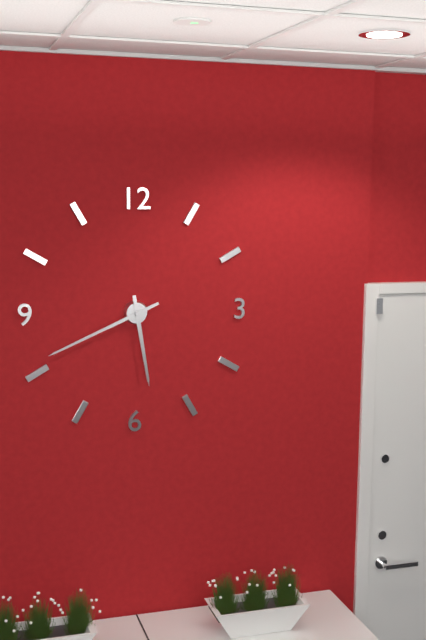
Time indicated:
{"hour": 5, "minute": 41}
